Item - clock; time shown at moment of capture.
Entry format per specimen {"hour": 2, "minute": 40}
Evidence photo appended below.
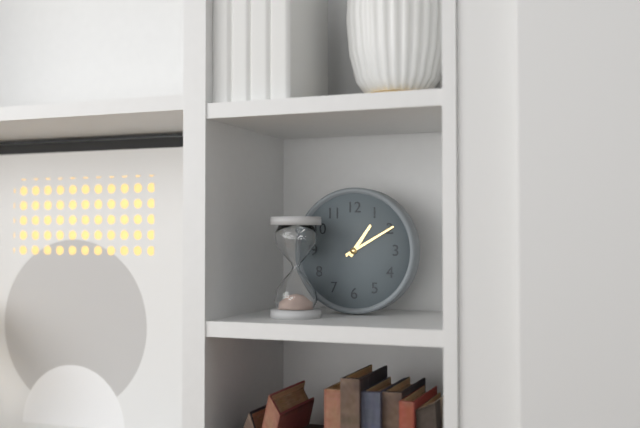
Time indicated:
{"hour": 1, "minute": 10}
